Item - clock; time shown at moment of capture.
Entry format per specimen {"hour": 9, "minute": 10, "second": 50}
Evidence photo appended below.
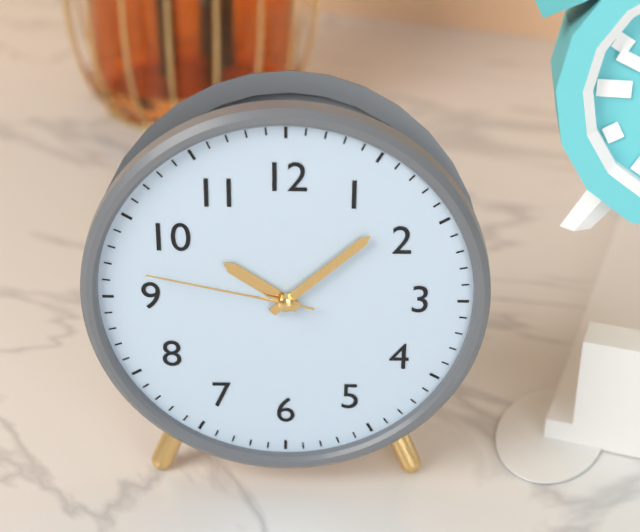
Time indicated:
{"hour": 10, "minute": 8, "second": 47}
